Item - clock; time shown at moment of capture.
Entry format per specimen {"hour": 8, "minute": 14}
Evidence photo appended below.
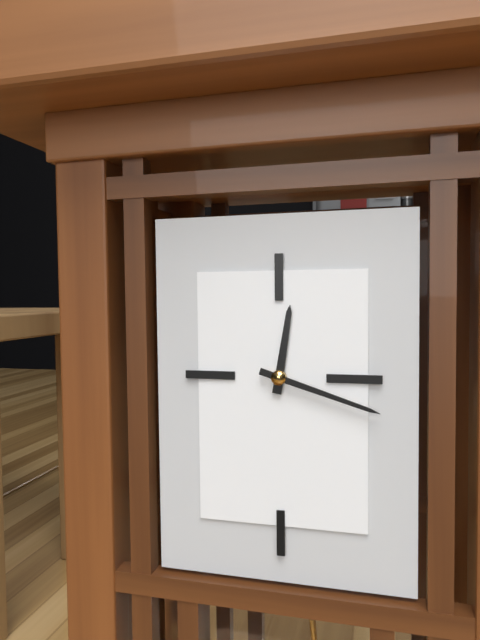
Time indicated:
{"hour": 12, "minute": 18}
